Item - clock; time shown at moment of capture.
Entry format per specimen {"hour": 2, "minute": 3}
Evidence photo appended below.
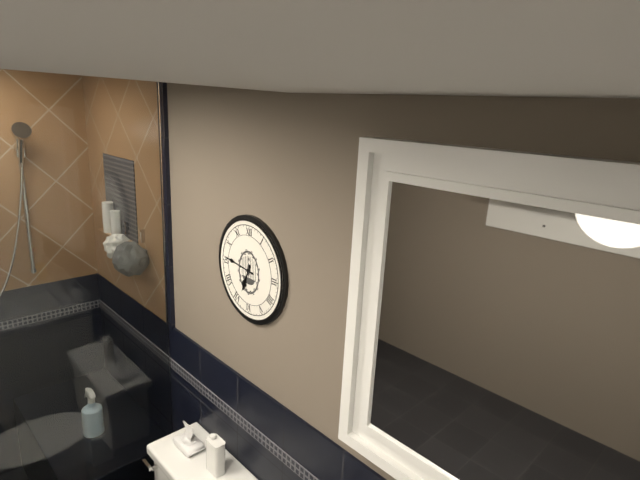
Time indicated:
{"hour": 6, "minute": 46}
